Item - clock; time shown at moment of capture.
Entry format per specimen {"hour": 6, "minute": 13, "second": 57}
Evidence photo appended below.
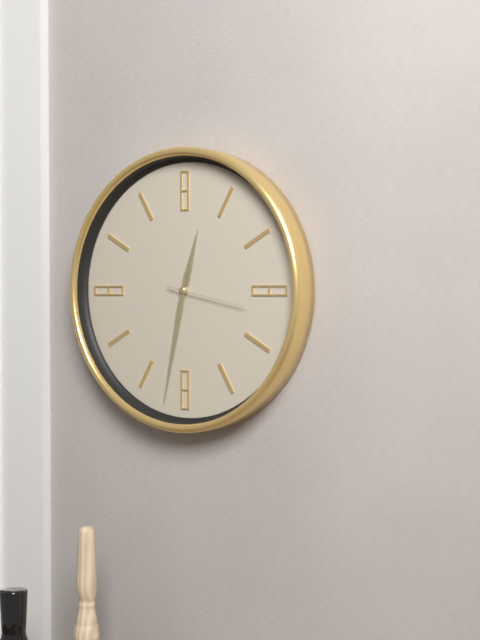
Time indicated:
{"hour": 12, "minute": 32, "second": 17}
